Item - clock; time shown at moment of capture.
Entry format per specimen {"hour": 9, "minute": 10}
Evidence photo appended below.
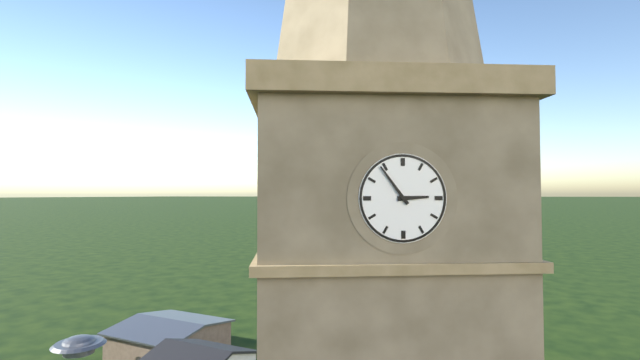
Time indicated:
{"hour": 2, "minute": 54}
